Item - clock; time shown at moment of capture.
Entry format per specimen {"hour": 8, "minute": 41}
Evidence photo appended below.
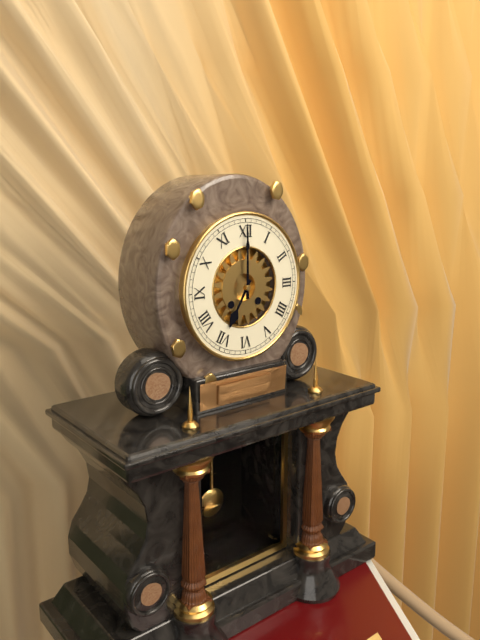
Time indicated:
{"hour": 7, "minute": 0}
